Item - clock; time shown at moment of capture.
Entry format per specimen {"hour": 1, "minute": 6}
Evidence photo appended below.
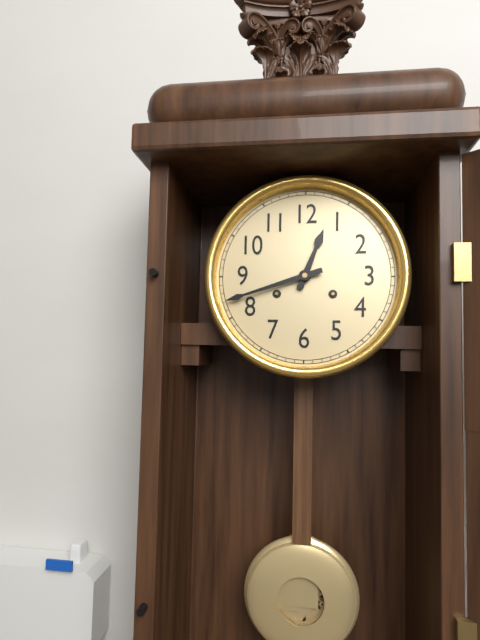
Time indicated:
{"hour": 12, "minute": 42}
